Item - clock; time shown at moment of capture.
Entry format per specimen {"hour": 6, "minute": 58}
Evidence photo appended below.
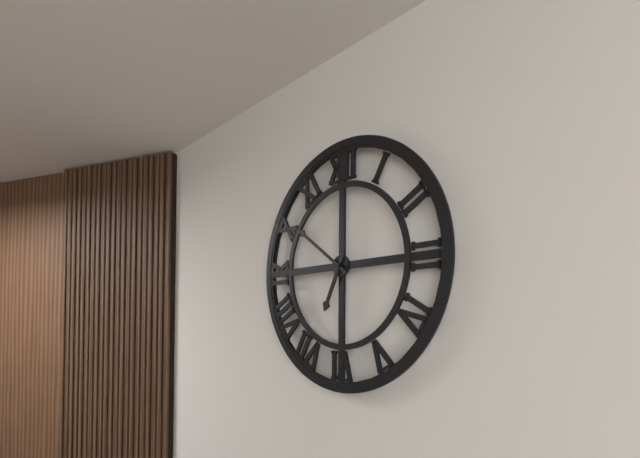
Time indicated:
{"hour": 6, "minute": 51}
